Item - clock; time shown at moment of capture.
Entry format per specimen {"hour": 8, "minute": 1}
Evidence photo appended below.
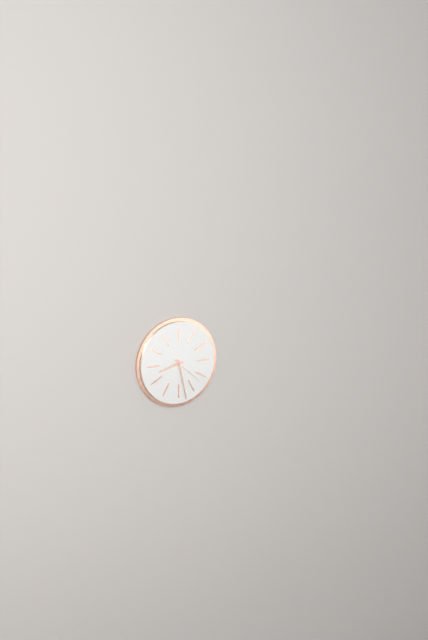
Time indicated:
{"hour": 8, "minute": 28}
